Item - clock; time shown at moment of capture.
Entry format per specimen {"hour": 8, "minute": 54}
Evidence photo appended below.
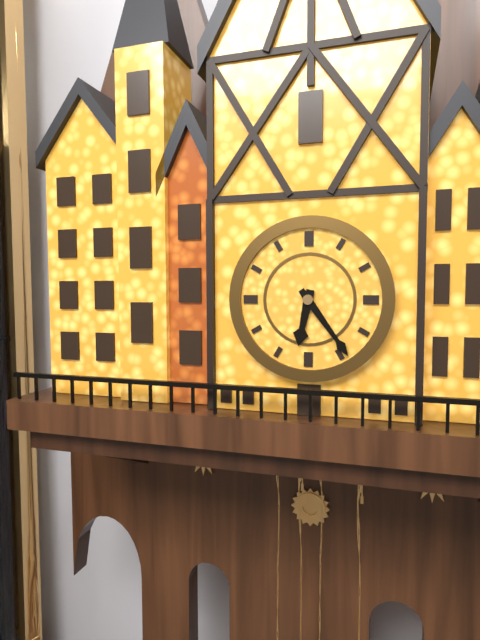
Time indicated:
{"hour": 6, "minute": 24}
